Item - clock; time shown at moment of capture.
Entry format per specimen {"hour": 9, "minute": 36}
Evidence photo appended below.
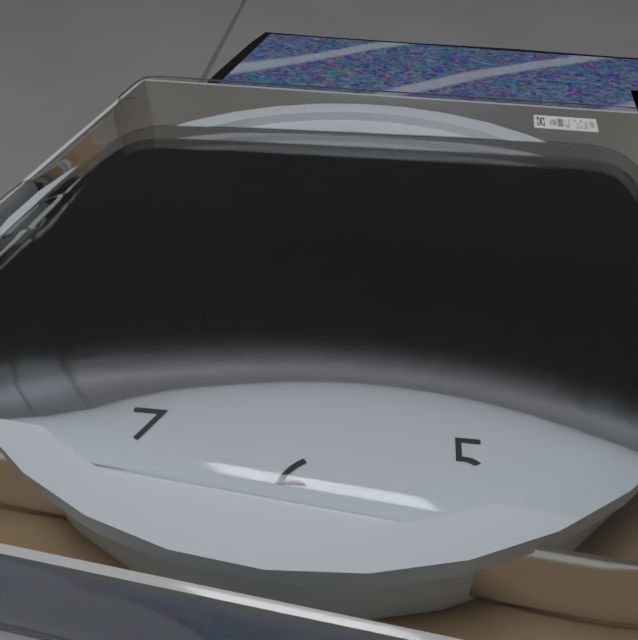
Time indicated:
{"hour": 10, "minute": 9}
